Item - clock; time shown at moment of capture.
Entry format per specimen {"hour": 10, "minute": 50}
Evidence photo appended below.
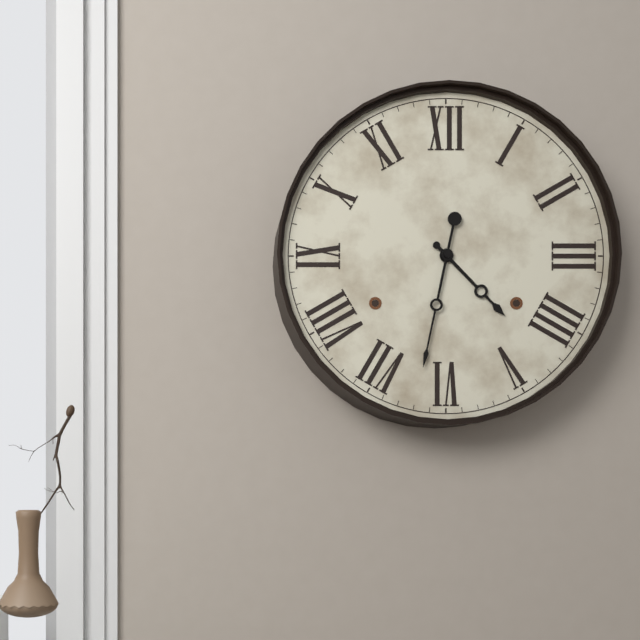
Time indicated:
{"hour": 4, "minute": 32}
